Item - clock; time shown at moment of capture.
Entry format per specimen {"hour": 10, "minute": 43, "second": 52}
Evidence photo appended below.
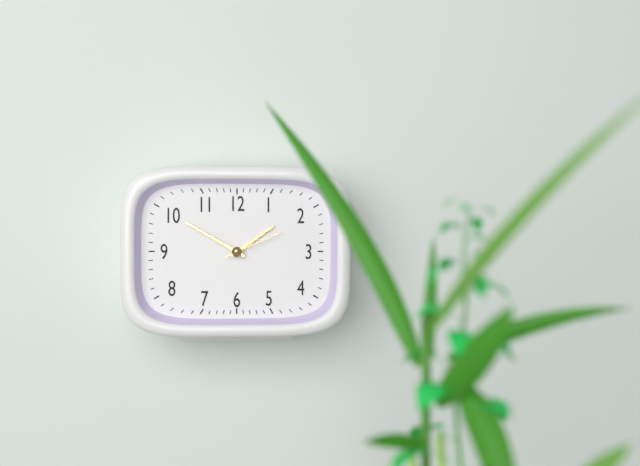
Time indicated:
{"hour": 1, "minute": 50, "second": 11}
